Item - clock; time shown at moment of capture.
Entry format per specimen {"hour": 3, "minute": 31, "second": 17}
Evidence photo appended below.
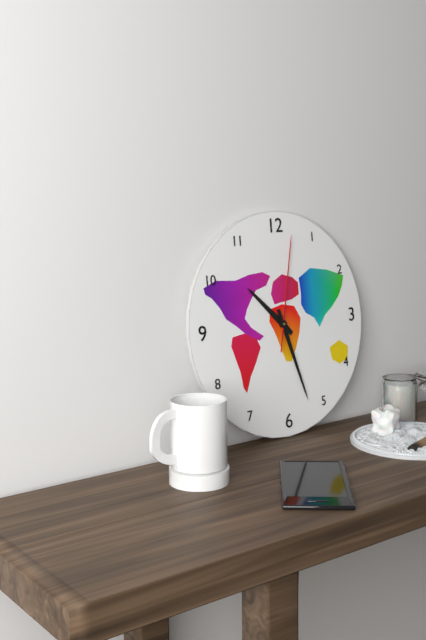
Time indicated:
{"hour": 10, "minute": 27, "second": 2}
